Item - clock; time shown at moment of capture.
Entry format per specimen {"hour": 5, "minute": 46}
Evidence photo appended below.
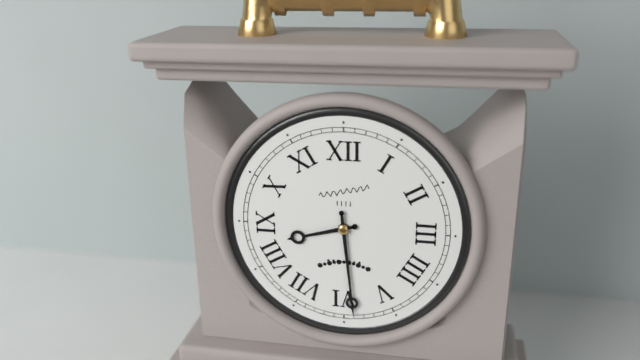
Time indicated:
{"hour": 8, "minute": 29}
